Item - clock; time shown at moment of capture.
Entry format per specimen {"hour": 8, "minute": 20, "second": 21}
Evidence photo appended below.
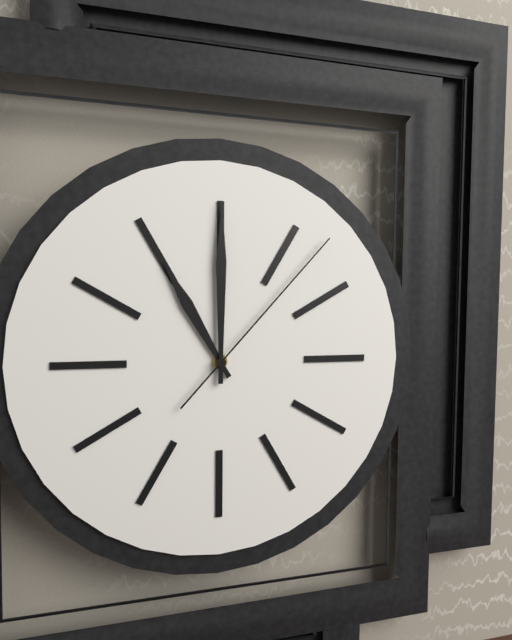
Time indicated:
{"hour": 11, "minute": 0, "second": 7}
